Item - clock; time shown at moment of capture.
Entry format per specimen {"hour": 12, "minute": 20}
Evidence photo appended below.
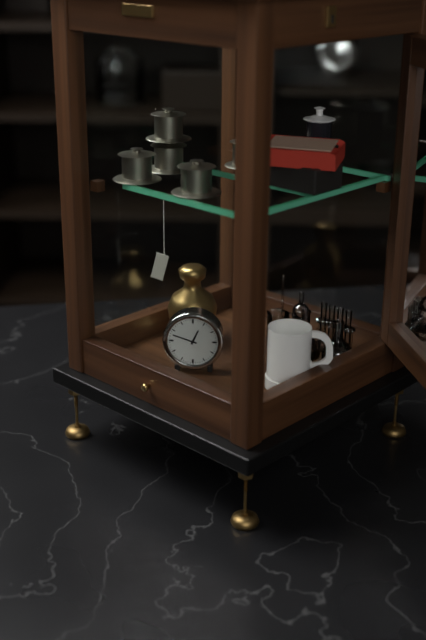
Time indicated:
{"hour": 12, "minute": 48}
